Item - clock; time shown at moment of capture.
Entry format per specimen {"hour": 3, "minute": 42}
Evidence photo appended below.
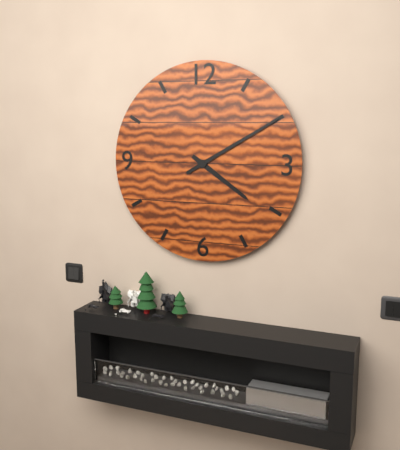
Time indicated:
{"hour": 4, "minute": 10}
